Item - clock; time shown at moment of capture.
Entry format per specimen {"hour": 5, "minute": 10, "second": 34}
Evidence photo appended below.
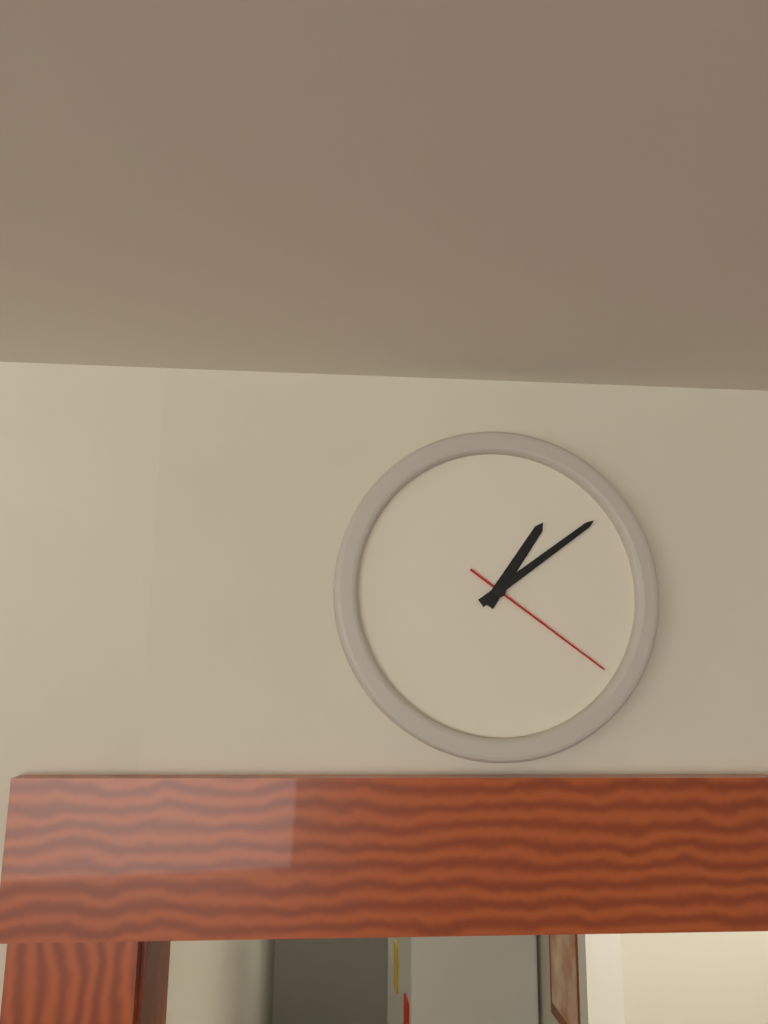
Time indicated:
{"hour": 1, "minute": 9, "second": 21}
